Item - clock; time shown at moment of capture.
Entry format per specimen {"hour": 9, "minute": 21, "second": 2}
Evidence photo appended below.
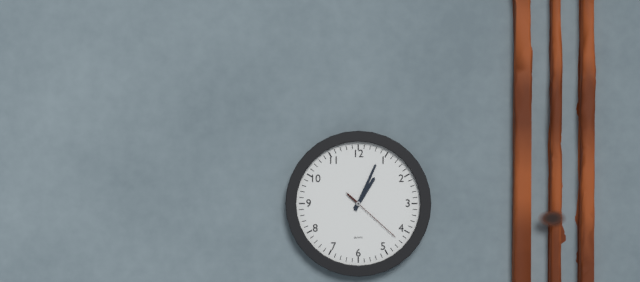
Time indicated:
{"hour": 1, "minute": 4, "second": 22}
